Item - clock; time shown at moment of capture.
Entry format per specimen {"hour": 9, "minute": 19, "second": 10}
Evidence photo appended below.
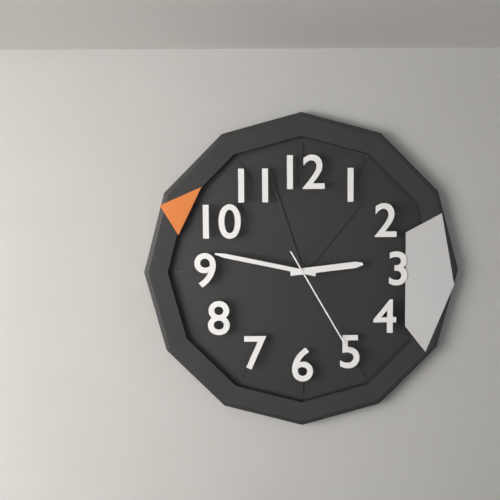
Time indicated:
{"hour": 2, "minute": 47, "second": 25}
